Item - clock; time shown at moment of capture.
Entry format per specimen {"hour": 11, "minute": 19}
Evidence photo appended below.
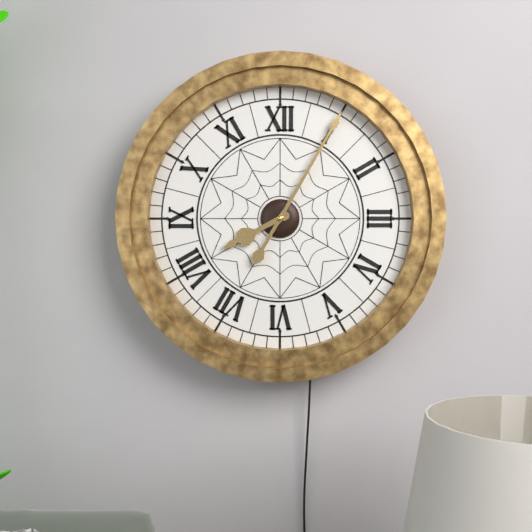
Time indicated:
{"hour": 8, "minute": 5}
